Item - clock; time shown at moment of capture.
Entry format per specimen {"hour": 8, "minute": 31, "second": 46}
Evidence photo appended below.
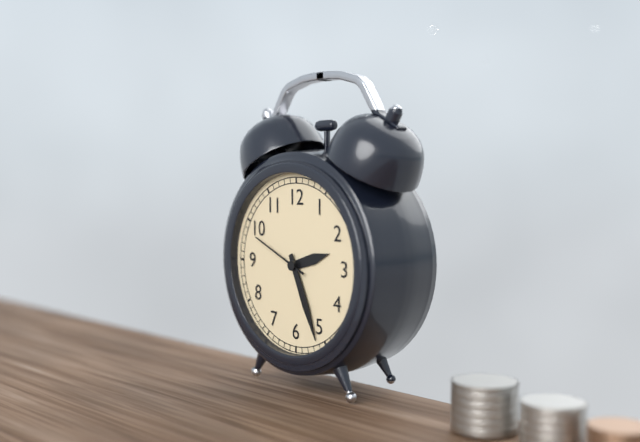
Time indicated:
{"hour": 2, "minute": 26, "second": 49}
